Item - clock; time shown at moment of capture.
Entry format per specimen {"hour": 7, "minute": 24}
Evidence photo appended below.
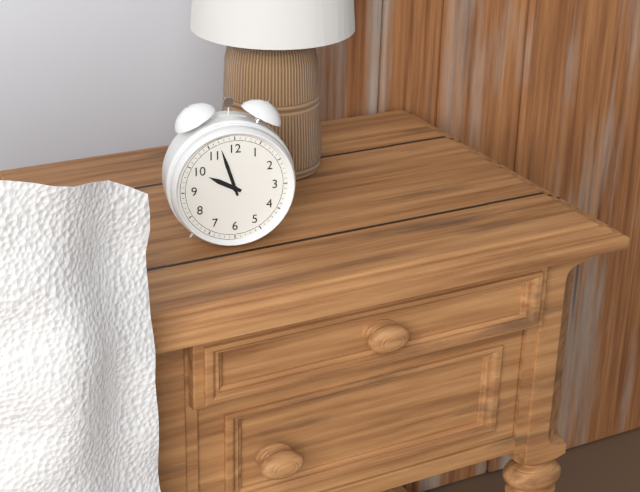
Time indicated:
{"hour": 9, "minute": 57}
